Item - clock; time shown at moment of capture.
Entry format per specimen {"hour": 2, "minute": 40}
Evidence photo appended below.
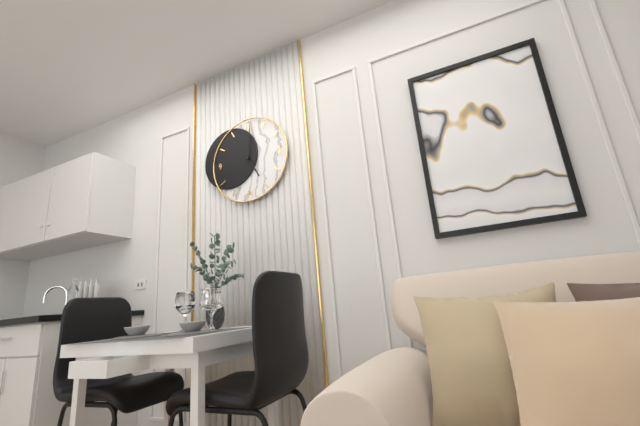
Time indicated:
{"hour": 5, "minute": 1}
